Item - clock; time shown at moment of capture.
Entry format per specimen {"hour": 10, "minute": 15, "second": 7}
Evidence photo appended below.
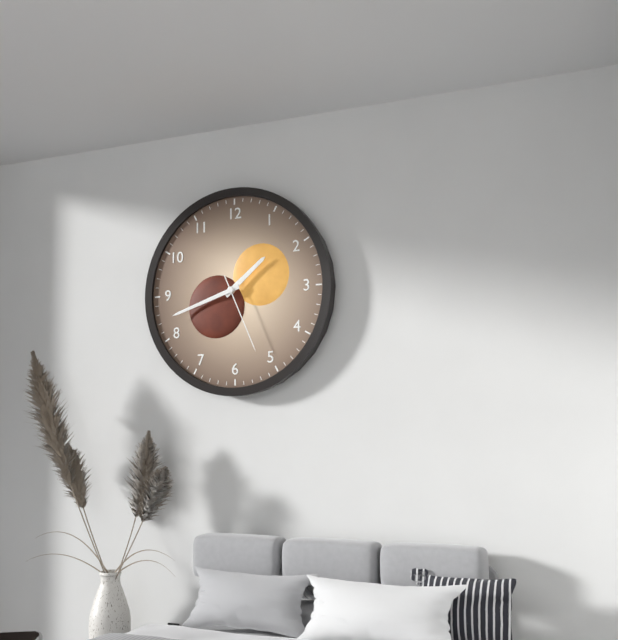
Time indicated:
{"hour": 1, "minute": 42, "second": 26}
